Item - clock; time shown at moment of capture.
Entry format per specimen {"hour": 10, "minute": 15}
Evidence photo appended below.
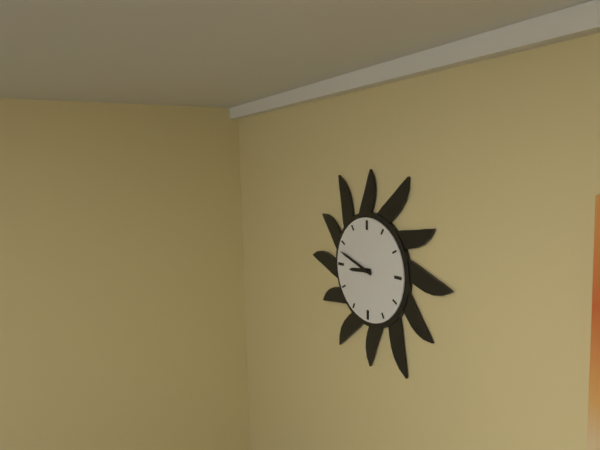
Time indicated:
{"hour": 8, "minute": 48}
